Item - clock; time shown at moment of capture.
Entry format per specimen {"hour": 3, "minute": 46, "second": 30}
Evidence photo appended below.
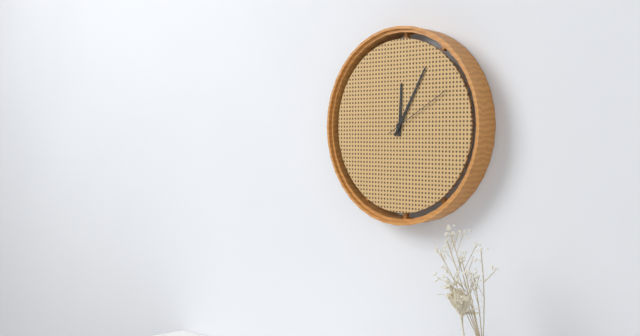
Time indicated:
{"hour": 12, "minute": 5, "second": 10}
